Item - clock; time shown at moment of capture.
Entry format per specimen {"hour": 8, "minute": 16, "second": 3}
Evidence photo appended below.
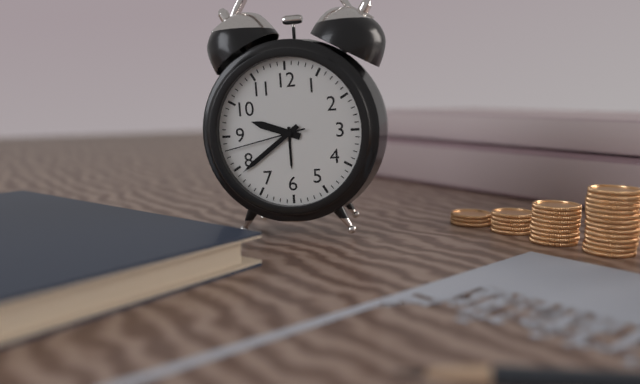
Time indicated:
{"hour": 9, "minute": 39, "second": 43}
